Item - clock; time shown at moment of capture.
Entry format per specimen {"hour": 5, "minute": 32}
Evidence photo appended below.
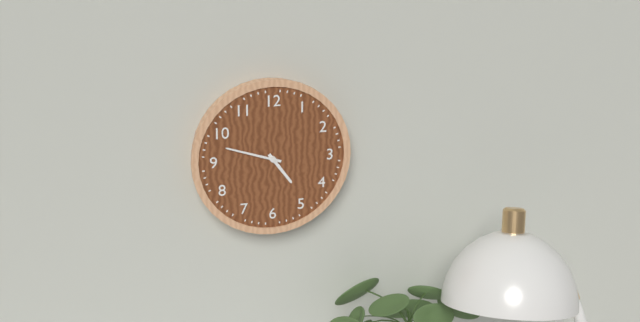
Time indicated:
{"hour": 4, "minute": 48}
